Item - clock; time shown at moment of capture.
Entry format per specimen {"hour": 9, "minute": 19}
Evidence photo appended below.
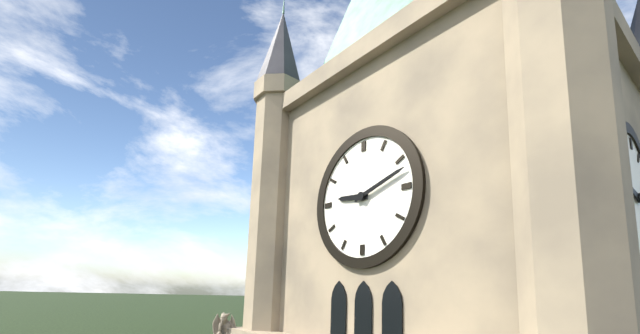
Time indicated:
{"hour": 9, "minute": 12}
